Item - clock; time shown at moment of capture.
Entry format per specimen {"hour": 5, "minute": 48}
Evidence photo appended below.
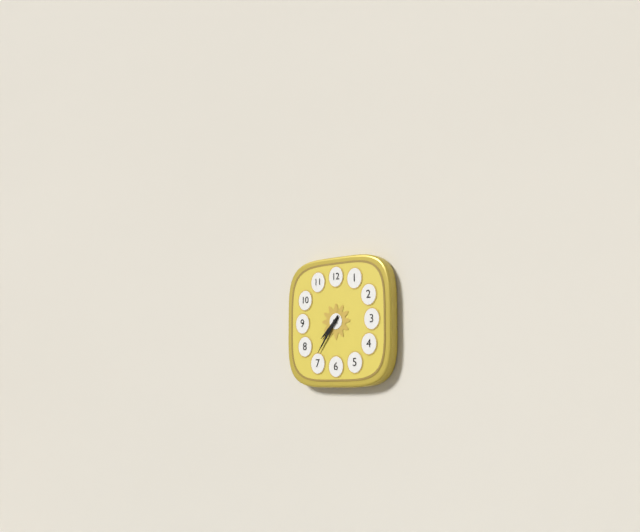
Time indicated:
{"hour": 7, "minute": 36}
